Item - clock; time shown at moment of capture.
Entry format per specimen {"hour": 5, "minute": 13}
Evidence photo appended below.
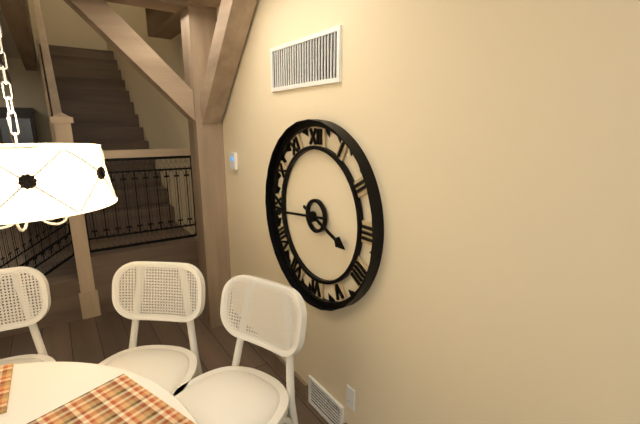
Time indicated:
{"hour": 3, "minute": 44}
